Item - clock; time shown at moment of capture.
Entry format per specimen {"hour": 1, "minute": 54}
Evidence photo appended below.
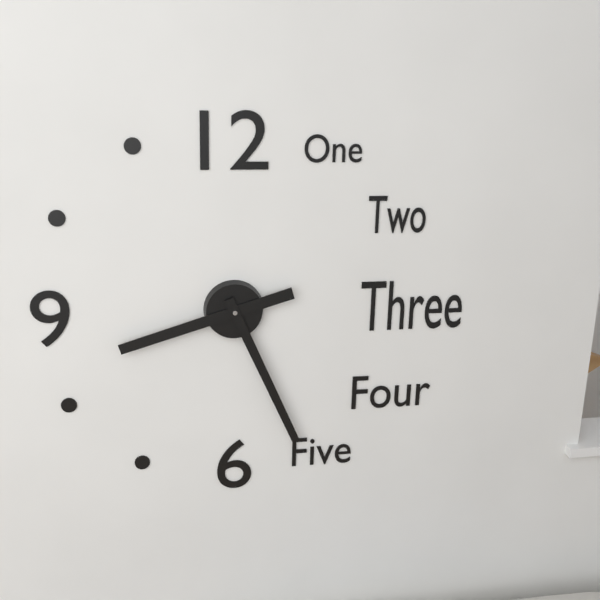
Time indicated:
{"hour": 8, "minute": 26}
